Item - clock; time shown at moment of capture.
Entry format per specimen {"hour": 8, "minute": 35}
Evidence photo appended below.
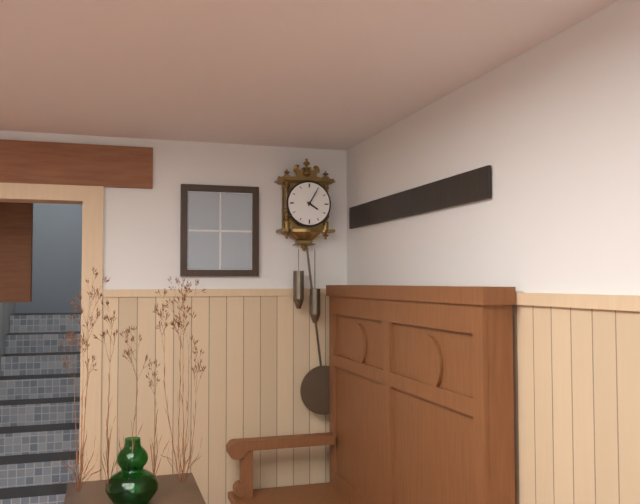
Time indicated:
{"hour": 4, "minute": 5}
